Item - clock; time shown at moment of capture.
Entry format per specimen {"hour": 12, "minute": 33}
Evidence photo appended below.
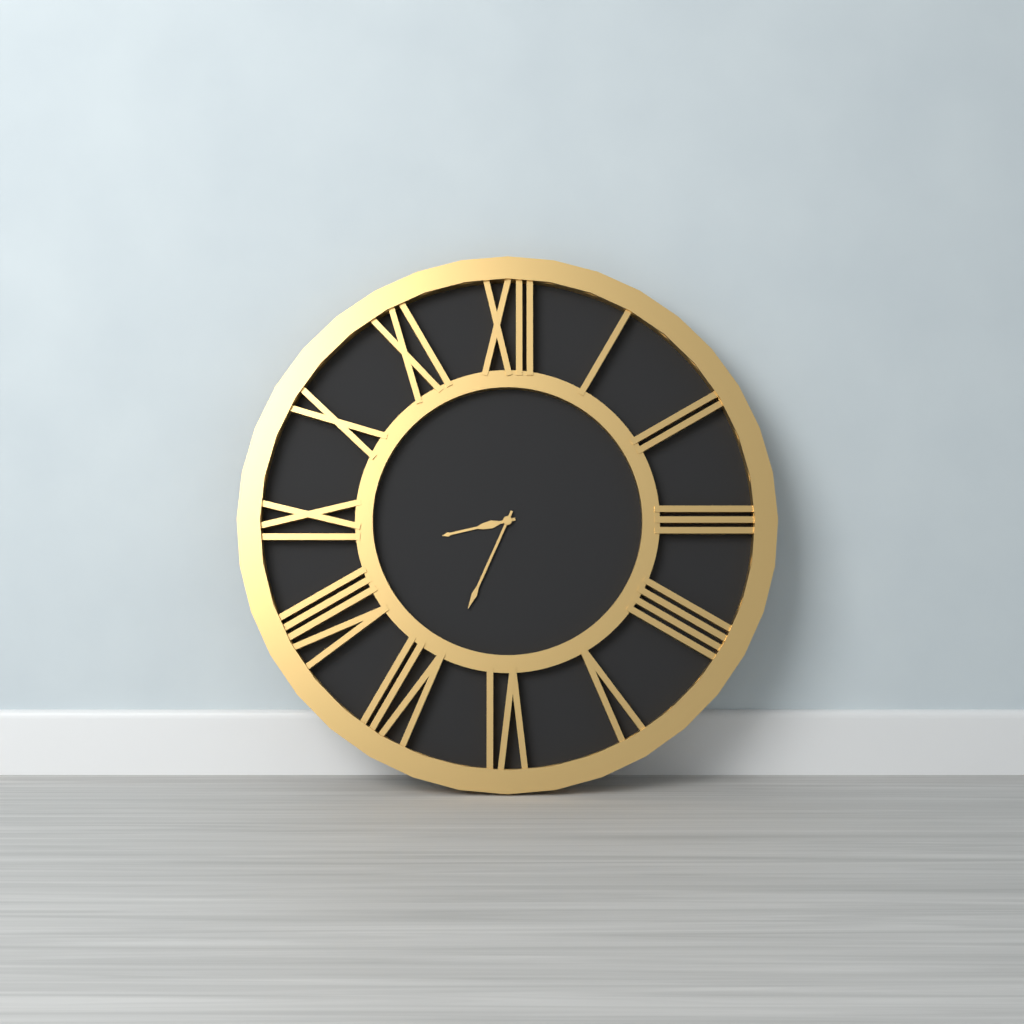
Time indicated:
{"hour": 8, "minute": 34}
